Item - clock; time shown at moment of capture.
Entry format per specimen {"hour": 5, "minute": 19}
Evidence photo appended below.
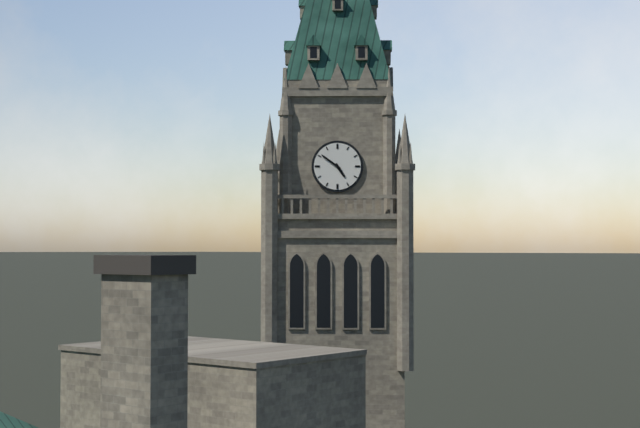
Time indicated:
{"hour": 4, "minute": 51}
